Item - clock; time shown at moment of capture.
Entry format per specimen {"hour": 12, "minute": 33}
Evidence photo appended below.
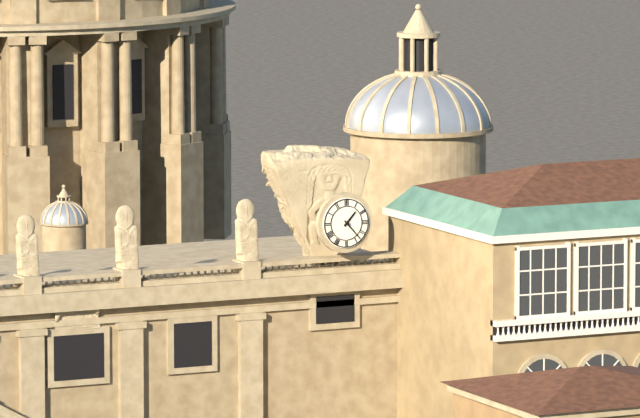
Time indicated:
{"hour": 1, "minute": 23}
